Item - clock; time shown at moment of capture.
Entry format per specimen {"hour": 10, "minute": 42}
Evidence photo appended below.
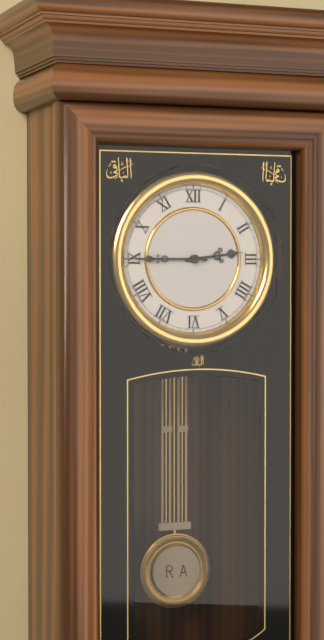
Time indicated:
{"hour": 2, "minute": 45}
